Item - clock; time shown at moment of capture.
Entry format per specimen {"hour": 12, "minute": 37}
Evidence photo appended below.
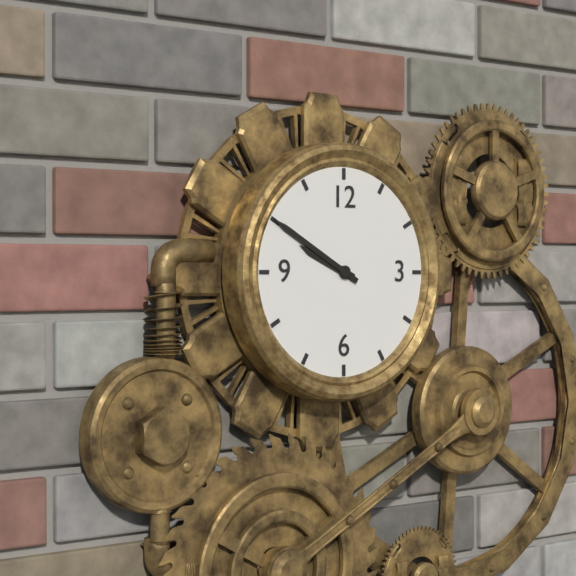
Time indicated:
{"hour": 9, "minute": 50}
